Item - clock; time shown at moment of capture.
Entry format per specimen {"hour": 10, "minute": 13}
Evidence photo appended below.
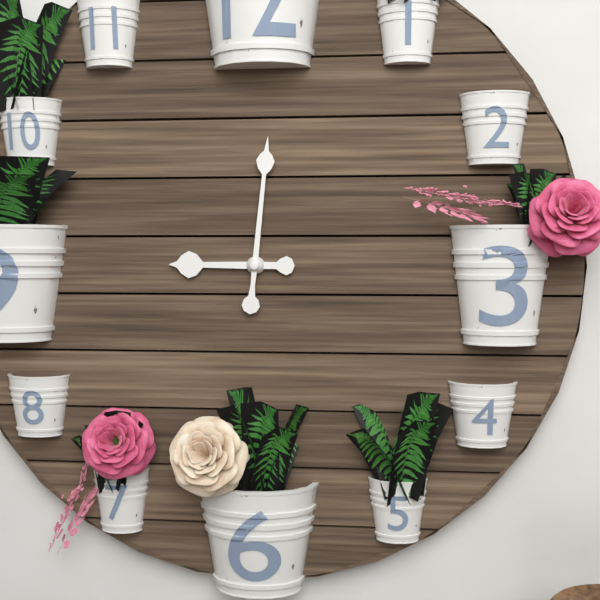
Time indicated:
{"hour": 9, "minute": 1}
